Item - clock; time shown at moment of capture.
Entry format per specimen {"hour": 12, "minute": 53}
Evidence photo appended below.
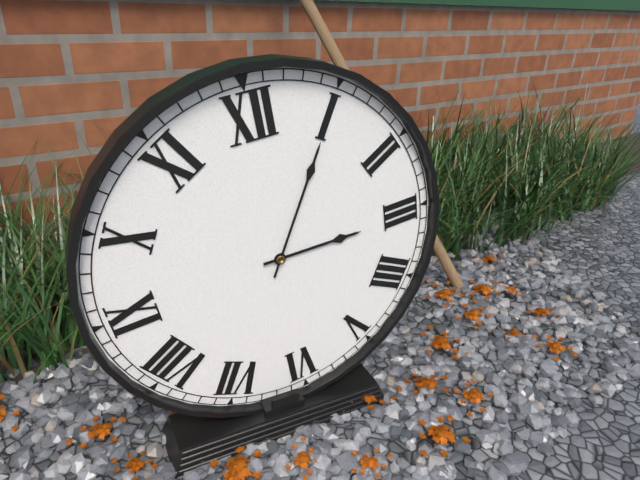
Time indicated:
{"hour": 3, "minute": 5}
